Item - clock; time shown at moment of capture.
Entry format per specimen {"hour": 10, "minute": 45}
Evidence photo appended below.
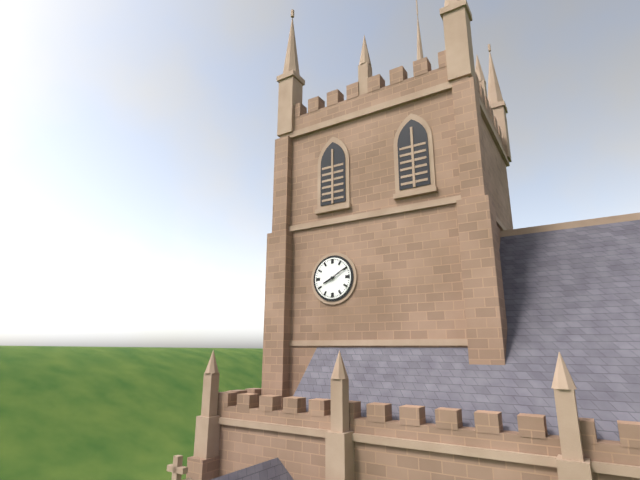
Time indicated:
{"hour": 8, "minute": 10}
